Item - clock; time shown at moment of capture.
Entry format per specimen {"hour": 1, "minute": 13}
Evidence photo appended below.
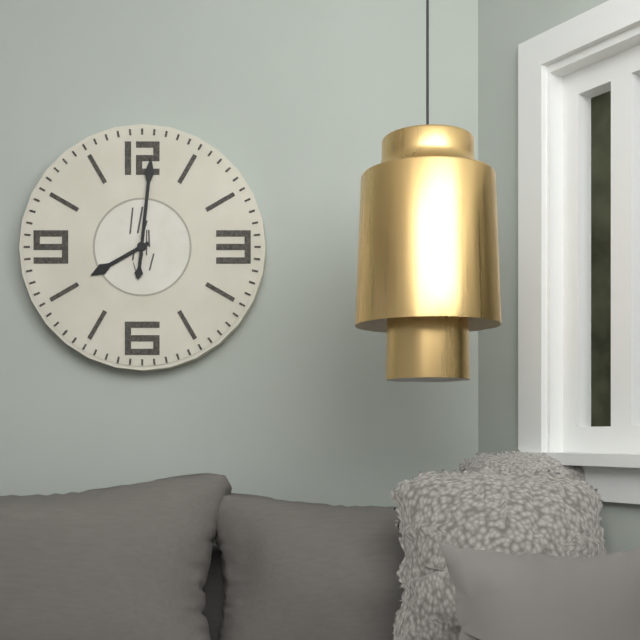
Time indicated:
{"hour": 8, "minute": 1}
